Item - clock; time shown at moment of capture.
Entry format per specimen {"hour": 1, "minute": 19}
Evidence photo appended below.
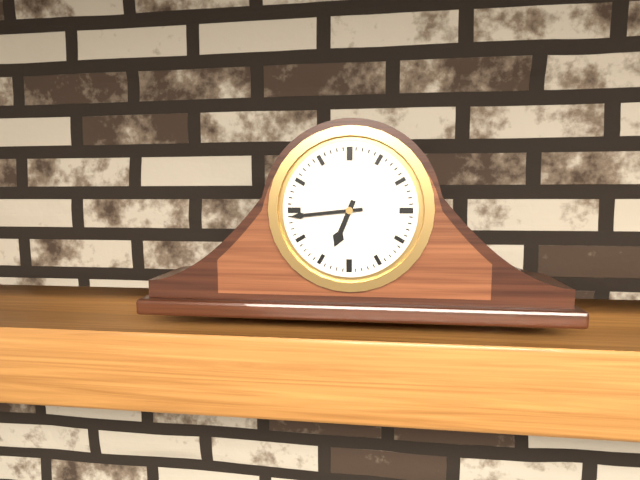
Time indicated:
{"hour": 6, "minute": 44}
